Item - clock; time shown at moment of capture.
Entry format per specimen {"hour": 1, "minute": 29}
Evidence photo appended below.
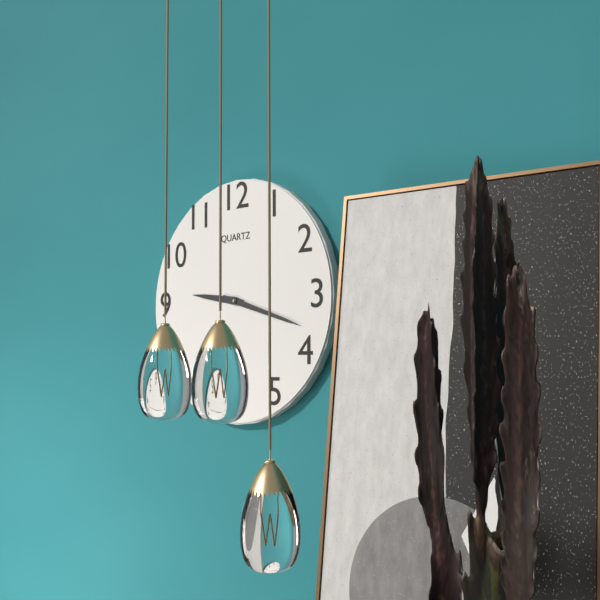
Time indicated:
{"hour": 9, "minute": 18}
